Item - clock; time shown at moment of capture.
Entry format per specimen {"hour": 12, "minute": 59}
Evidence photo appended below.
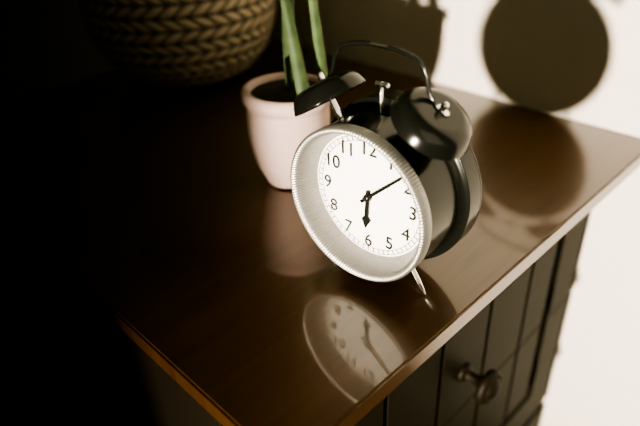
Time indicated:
{"hour": 6, "minute": 8}
